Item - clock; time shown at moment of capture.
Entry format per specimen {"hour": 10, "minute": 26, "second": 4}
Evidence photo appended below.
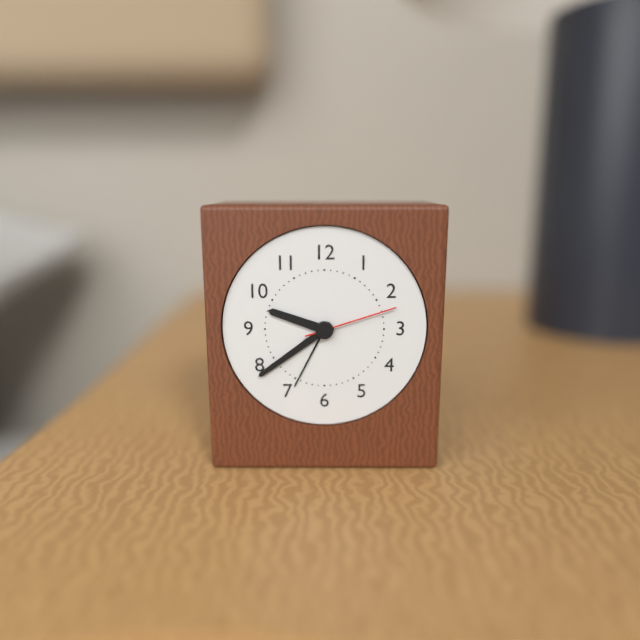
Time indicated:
{"hour": 9, "minute": 39, "second": 12}
